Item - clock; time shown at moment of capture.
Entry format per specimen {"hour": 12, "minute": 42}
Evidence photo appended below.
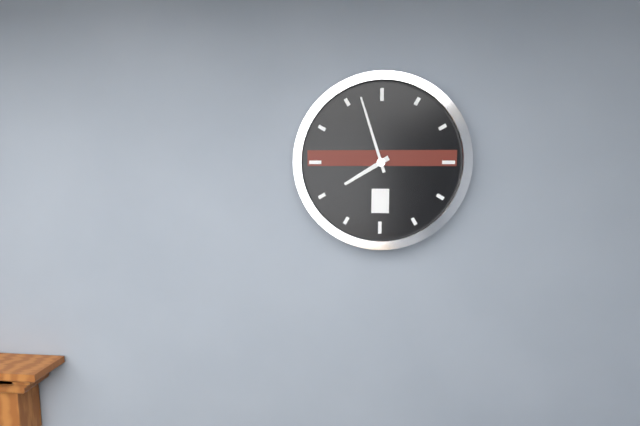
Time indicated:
{"hour": 7, "minute": 57}
